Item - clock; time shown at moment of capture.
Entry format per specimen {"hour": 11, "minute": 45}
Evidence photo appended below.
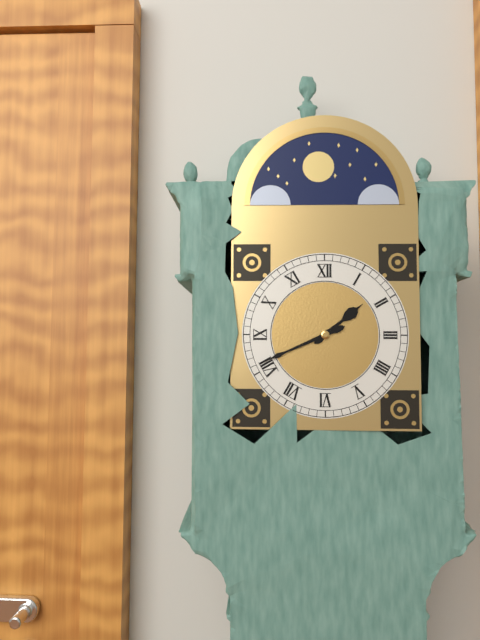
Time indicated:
{"hour": 1, "minute": 41}
